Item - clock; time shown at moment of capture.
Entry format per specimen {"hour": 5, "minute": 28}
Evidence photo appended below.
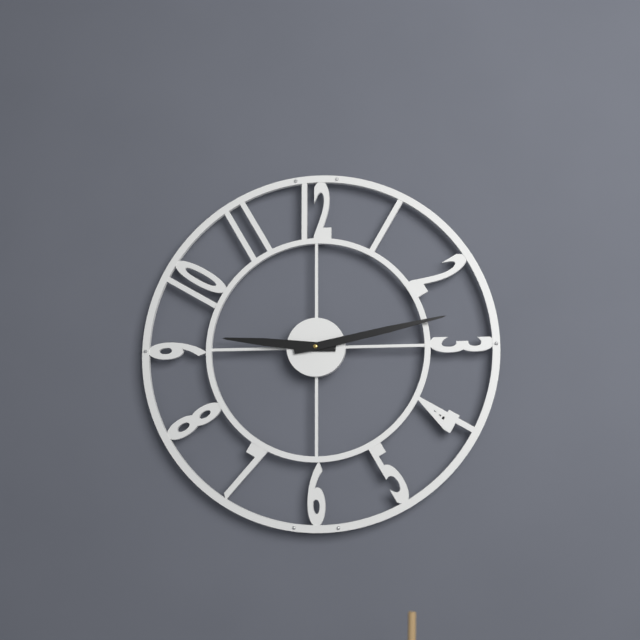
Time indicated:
{"hour": 9, "minute": 13}
